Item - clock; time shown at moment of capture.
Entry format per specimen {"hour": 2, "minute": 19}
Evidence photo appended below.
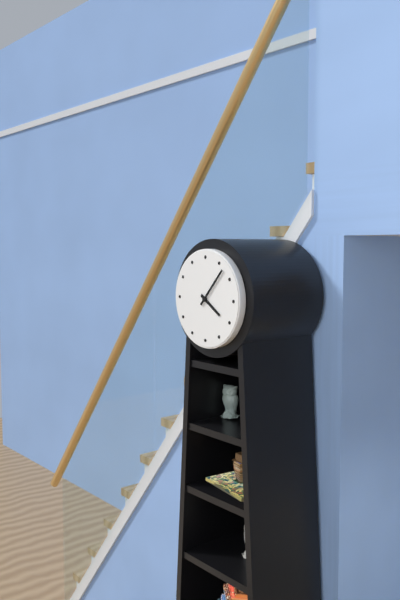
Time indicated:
{"hour": 4, "minute": 7}
